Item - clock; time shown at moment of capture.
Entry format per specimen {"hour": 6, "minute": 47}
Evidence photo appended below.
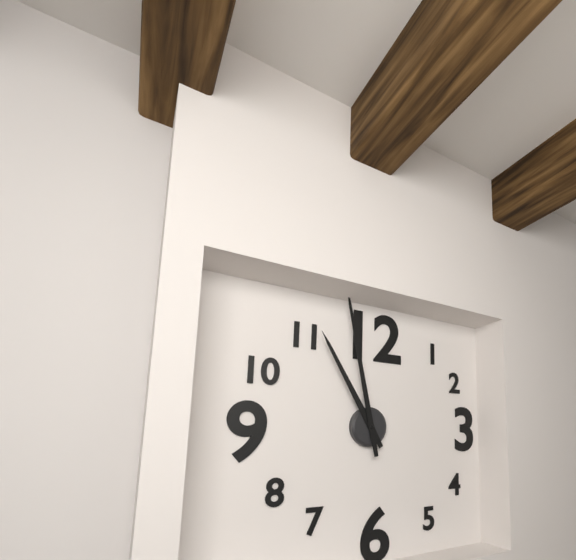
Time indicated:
{"hour": 10, "minute": 58}
